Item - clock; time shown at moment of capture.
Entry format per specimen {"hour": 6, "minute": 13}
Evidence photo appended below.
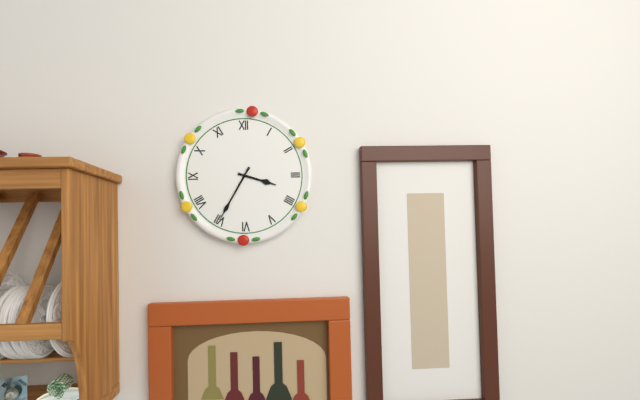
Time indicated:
{"hour": 3, "minute": 35}
